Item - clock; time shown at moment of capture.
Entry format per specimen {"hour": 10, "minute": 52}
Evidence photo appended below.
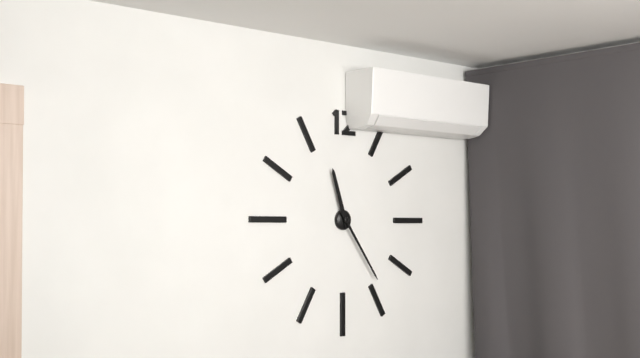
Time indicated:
{"hour": 11, "minute": 24}
